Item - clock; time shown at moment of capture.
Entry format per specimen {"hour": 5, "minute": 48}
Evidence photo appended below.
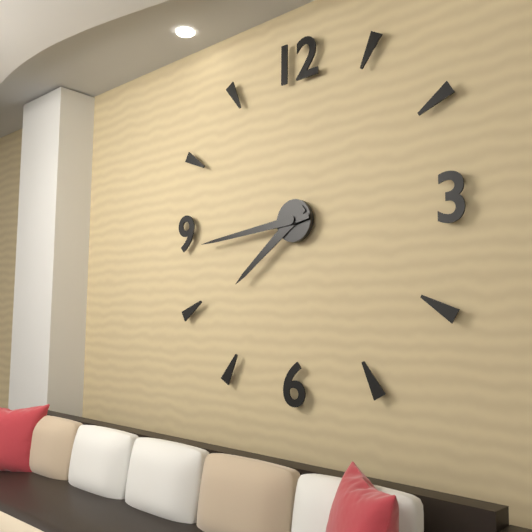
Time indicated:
{"hour": 7, "minute": 44}
